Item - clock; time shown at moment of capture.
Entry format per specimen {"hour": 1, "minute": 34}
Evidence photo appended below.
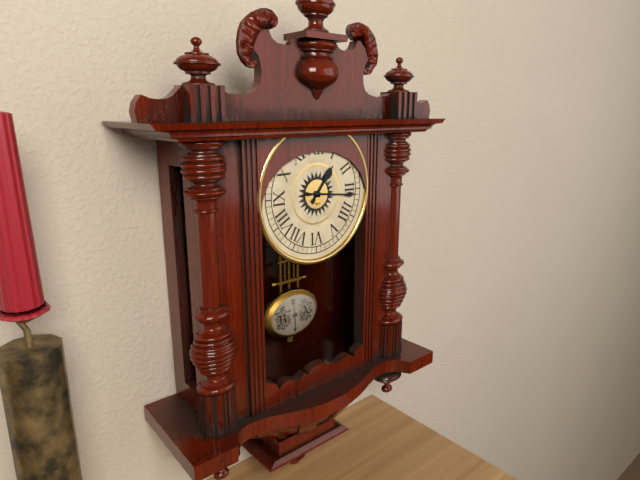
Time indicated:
{"hour": 1, "minute": 16}
